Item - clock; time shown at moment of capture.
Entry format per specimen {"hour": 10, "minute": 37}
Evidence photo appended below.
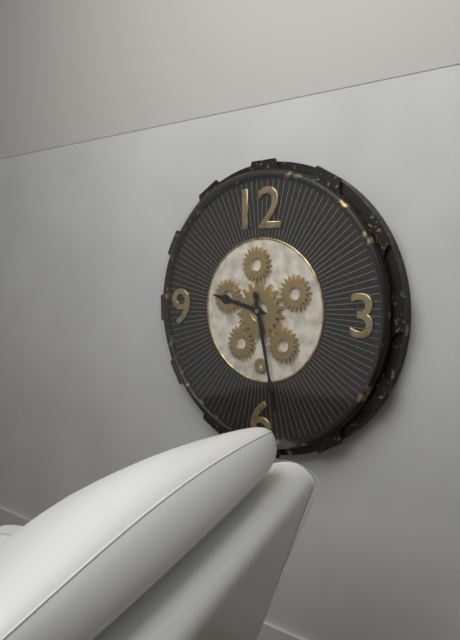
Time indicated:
{"hour": 9, "minute": 28}
